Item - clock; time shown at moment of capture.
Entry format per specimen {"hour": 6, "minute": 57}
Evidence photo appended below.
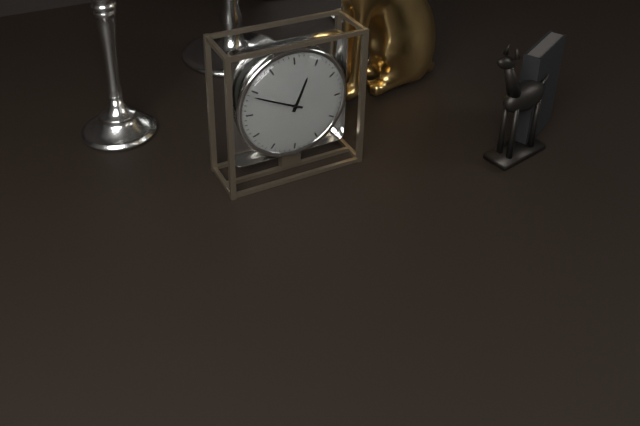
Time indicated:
{"hour": 12, "minute": 49}
